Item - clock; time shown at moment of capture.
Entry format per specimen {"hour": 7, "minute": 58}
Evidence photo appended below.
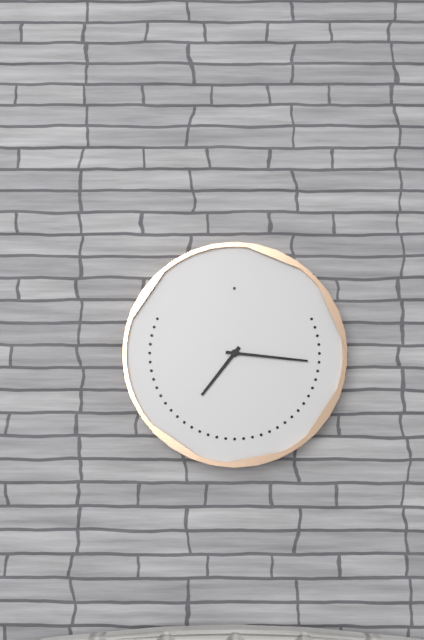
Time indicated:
{"hour": 7, "minute": 16}
